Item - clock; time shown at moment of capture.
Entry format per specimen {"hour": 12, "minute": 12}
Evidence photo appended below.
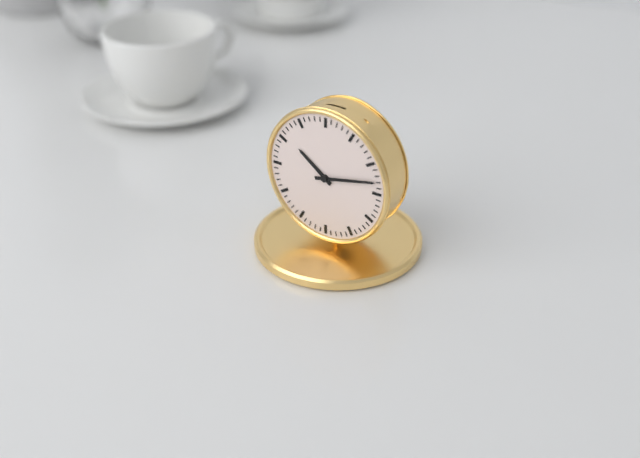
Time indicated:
{"hour": 10, "minute": 13}
